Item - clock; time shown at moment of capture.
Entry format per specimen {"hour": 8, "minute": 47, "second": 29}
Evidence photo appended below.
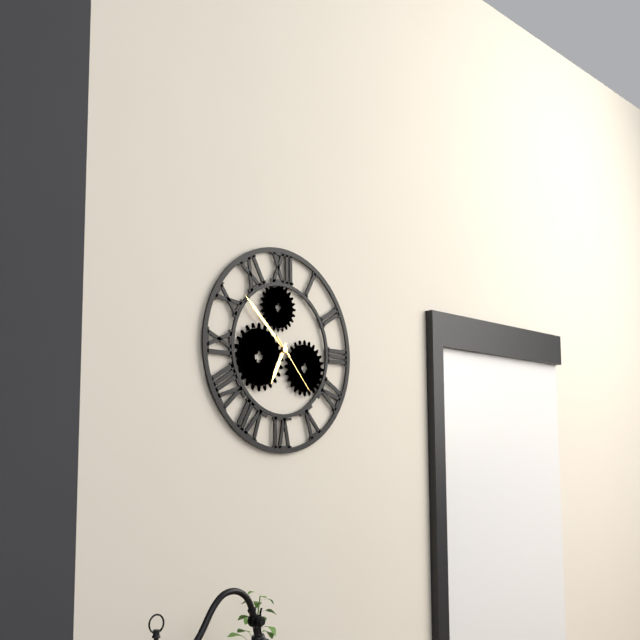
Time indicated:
{"hour": 6, "minute": 52, "second": 23}
